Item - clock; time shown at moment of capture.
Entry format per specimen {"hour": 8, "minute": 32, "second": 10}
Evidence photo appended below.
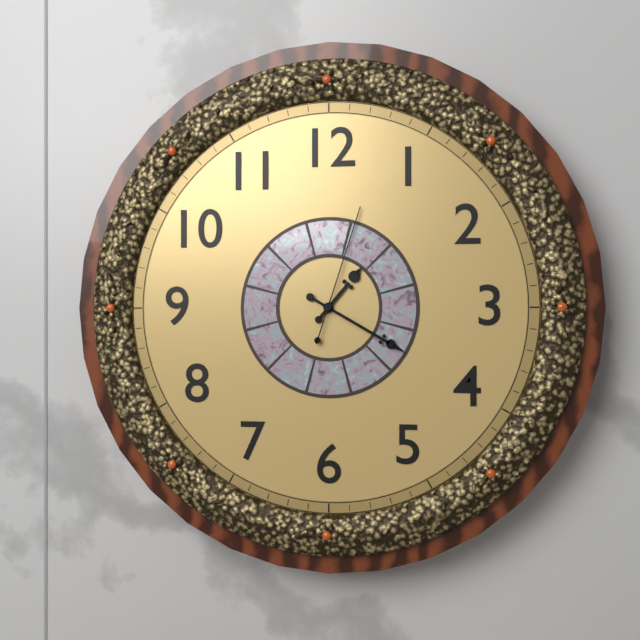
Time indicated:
{"hour": 1, "minute": 20, "second": 3}
